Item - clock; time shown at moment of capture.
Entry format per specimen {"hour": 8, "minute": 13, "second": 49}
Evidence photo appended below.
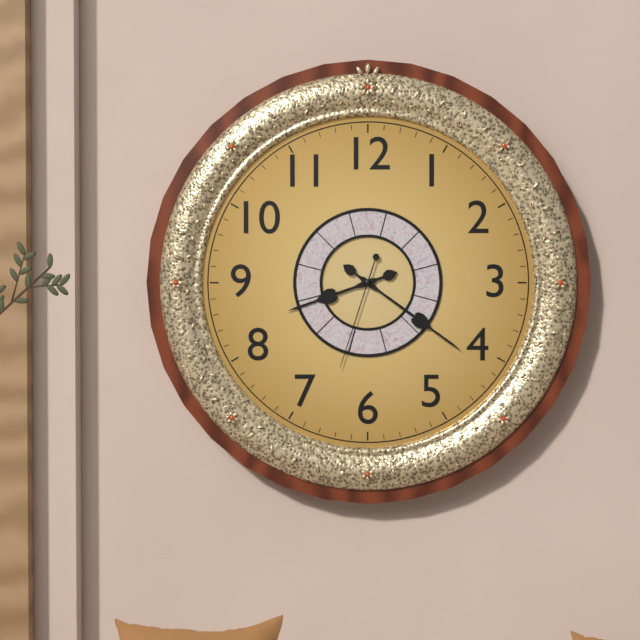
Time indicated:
{"hour": 8, "minute": 21, "second": 33}
